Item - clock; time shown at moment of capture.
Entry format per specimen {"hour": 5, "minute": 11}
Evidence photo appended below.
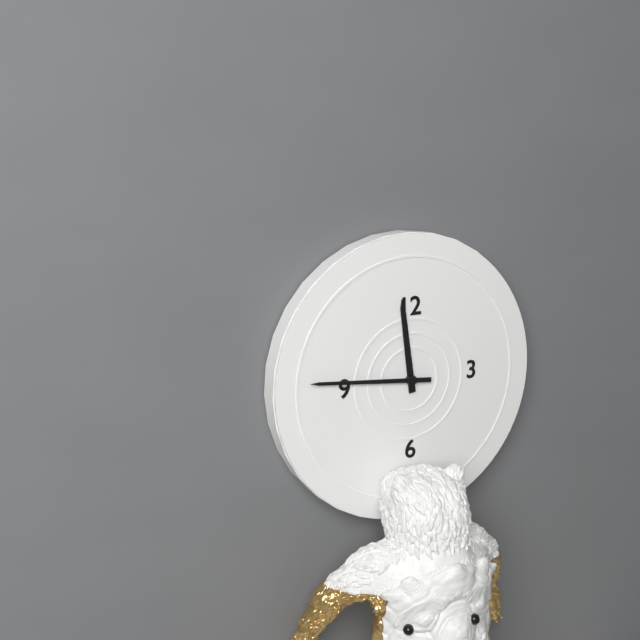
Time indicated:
{"hour": 11, "minute": 46}
